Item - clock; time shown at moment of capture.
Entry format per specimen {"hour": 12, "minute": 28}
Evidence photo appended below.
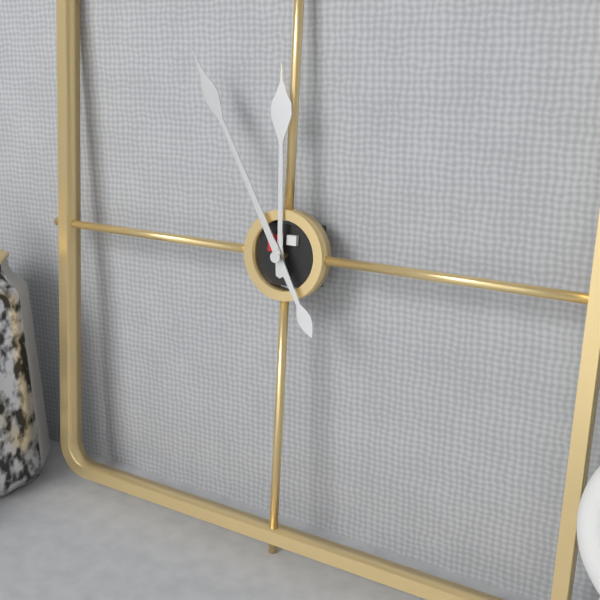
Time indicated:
{"hour": 11, "minute": 55}
